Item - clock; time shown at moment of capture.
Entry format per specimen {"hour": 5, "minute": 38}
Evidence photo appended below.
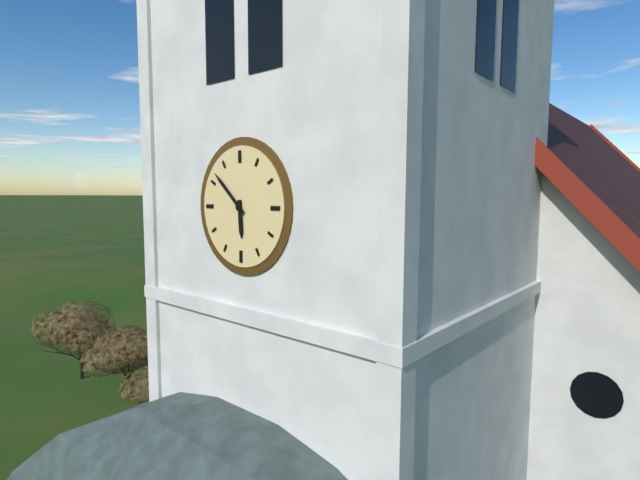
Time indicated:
{"hour": 5, "minute": 52}
